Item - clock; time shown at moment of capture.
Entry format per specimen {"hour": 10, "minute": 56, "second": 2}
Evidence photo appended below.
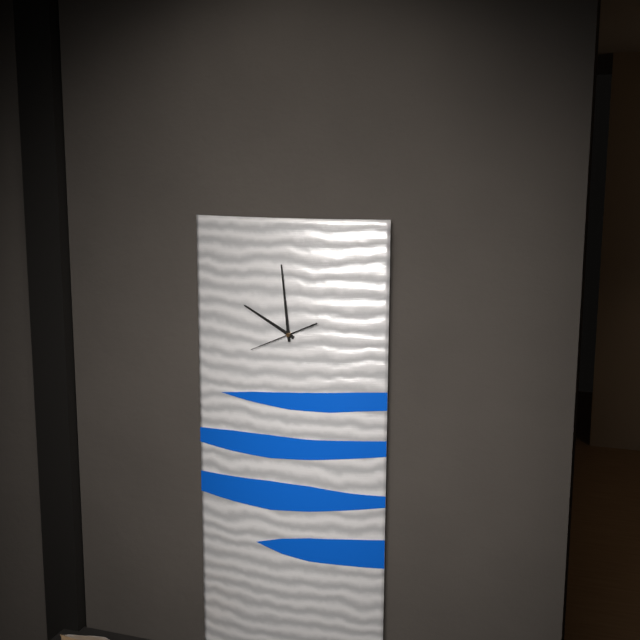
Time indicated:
{"hour": 9, "minute": 59, "second": 41}
